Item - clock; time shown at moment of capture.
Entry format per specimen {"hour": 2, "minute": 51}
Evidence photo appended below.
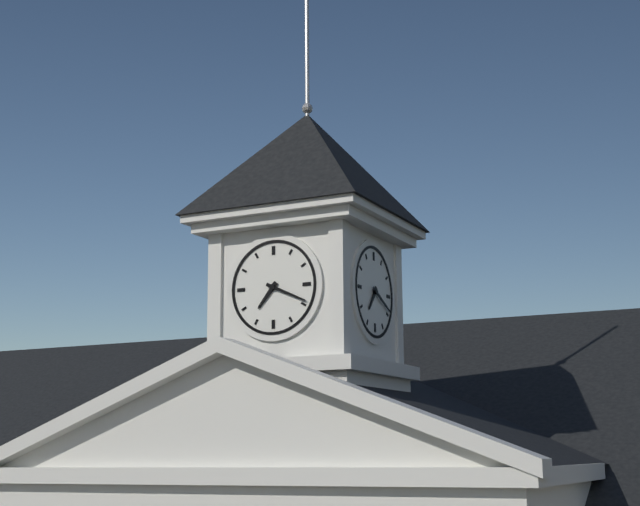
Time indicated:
{"hour": 7, "minute": 19}
